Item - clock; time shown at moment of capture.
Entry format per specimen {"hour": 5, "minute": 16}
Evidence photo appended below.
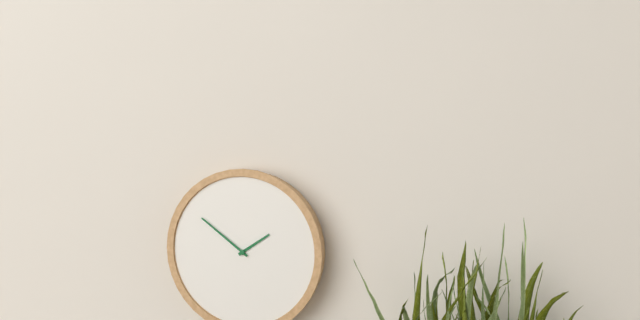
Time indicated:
{"hour": 1, "minute": 51}
